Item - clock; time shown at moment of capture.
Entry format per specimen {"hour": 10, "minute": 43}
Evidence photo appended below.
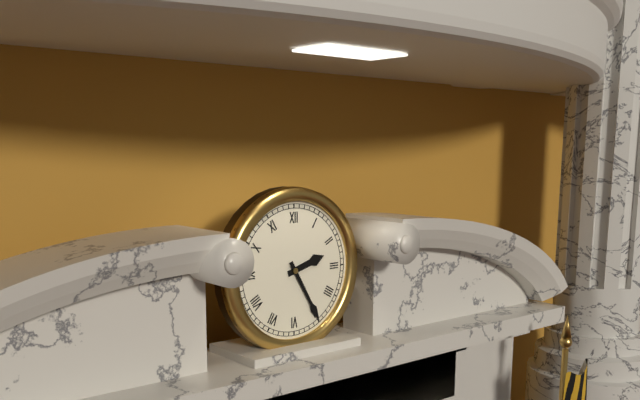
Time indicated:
{"hour": 2, "minute": 25}
